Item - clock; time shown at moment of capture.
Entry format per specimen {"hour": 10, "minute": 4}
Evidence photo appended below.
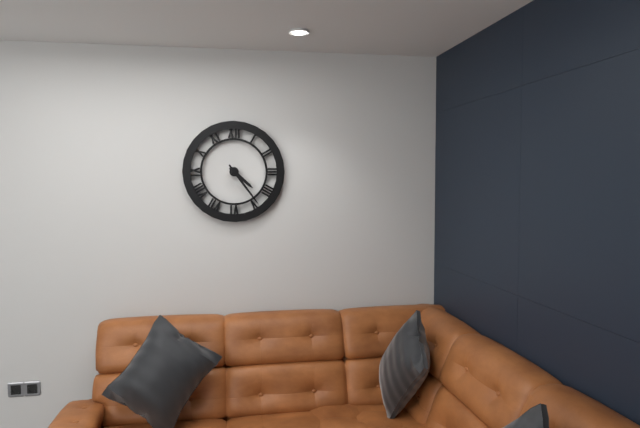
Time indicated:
{"hour": 4, "minute": 24}
